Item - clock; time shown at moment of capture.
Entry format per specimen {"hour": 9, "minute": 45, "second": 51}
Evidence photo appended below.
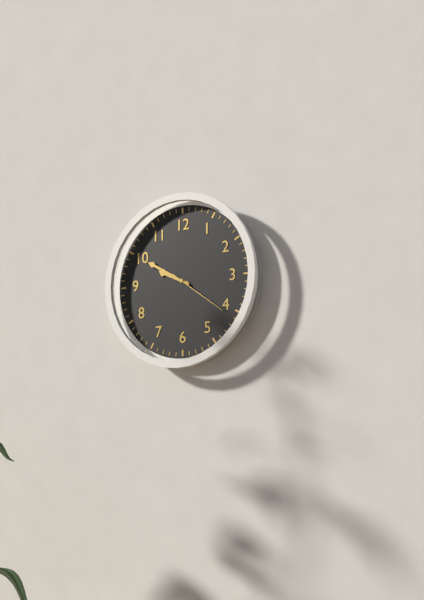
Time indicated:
{"hour": 9, "minute": 50, "second": 21}
